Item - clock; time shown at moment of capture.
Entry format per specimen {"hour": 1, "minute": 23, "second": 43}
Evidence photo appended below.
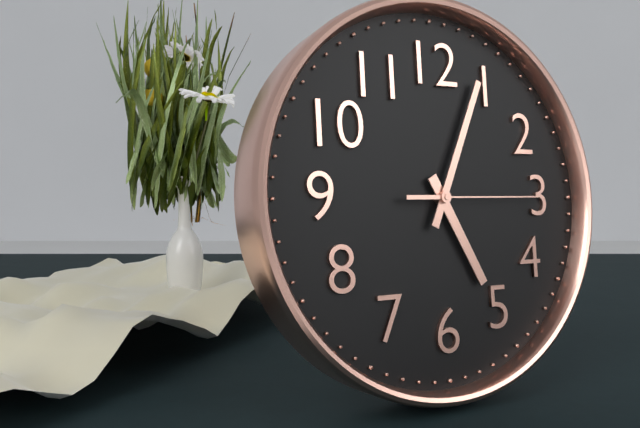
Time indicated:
{"hour": 5, "minute": 4, "second": 15}
